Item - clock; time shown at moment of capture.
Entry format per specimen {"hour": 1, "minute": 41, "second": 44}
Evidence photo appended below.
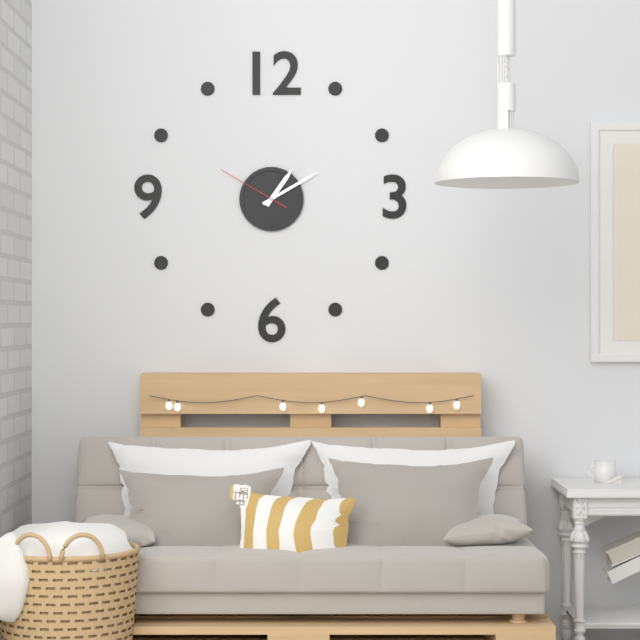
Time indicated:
{"hour": 1, "minute": 10, "second": 50}
